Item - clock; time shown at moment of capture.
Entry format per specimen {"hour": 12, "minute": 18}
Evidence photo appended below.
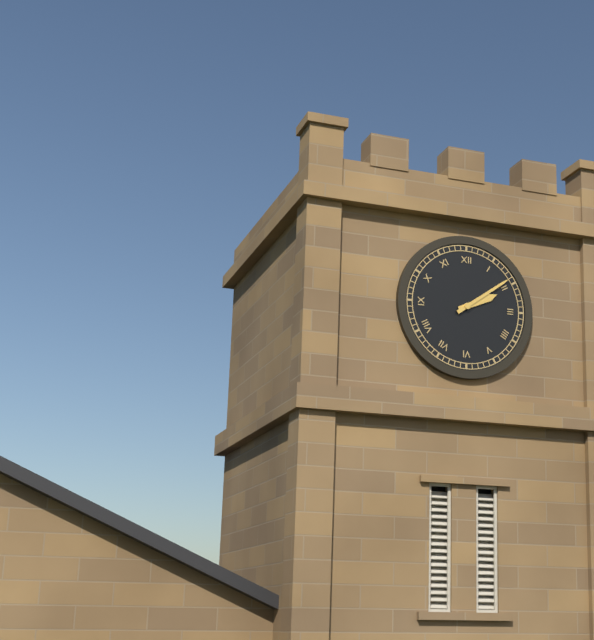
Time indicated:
{"hour": 2, "minute": 9}
